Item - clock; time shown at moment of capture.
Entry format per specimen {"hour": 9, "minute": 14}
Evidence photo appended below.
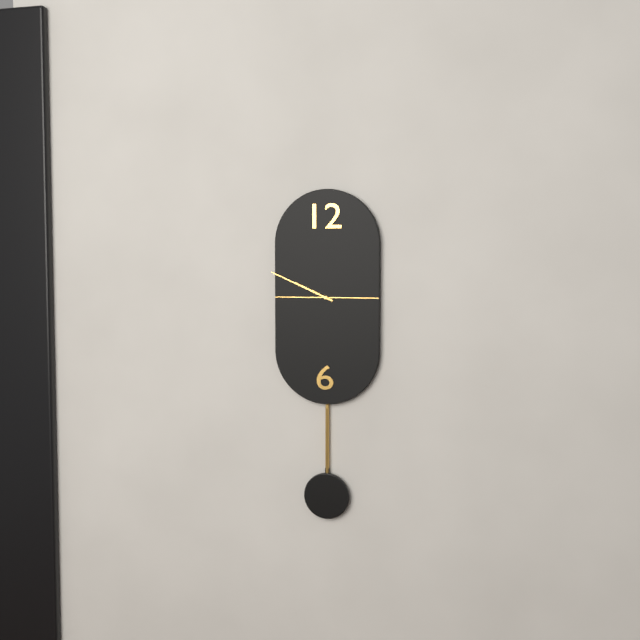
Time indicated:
{"hour": 9, "minute": 49}
